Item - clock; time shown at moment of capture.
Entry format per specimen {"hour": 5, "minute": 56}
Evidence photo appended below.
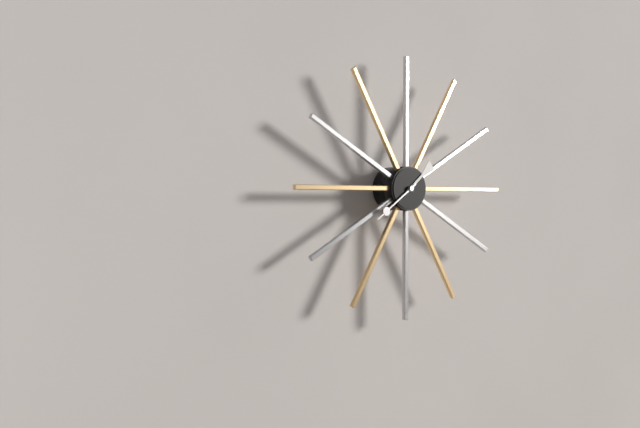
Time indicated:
{"hour": 1, "minute": 39}
